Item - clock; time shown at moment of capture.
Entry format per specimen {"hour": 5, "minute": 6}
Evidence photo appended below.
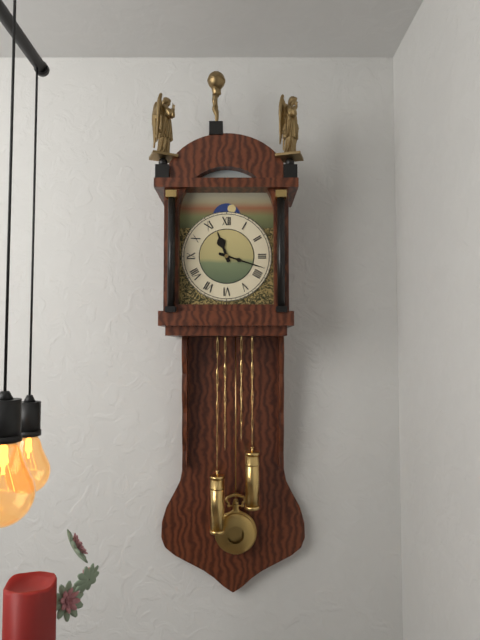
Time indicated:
{"hour": 11, "minute": 18}
